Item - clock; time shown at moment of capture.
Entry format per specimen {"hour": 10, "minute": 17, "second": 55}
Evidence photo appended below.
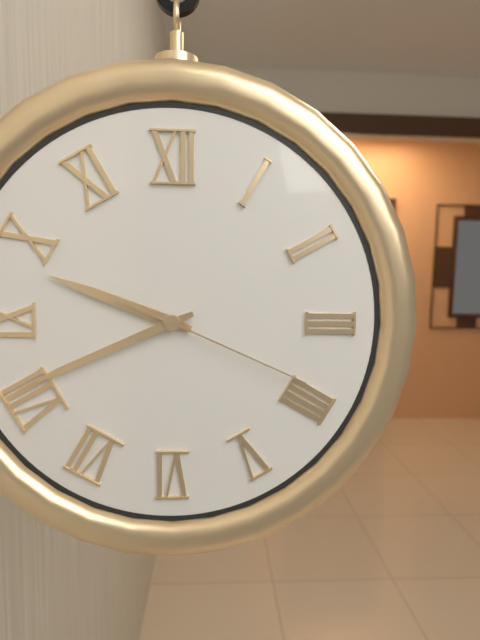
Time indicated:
{"hour": 9, "minute": 41, "second": 19}
